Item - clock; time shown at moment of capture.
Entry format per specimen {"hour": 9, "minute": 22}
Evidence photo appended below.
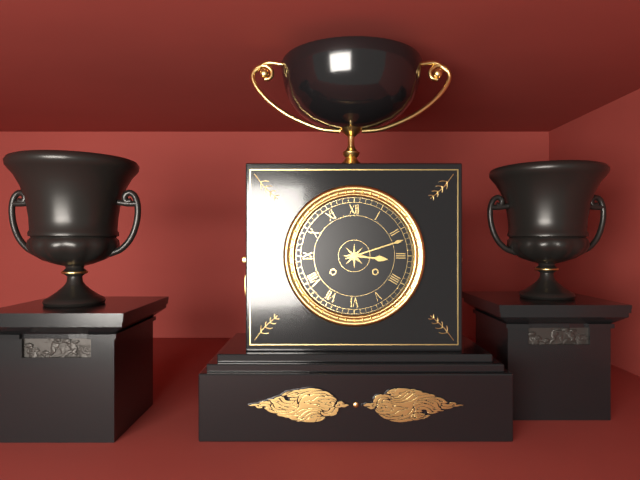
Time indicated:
{"hour": 3, "minute": 12}
